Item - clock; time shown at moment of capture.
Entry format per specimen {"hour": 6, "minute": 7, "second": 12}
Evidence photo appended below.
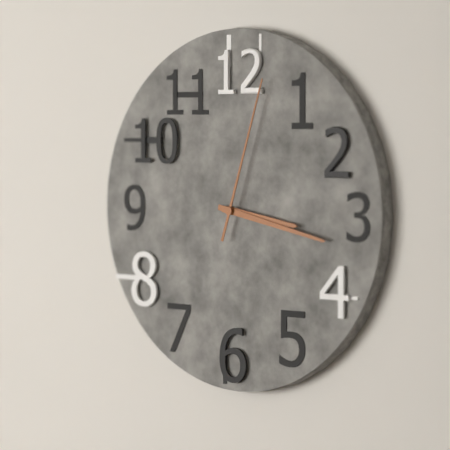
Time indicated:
{"hour": 3, "minute": 17, "second": 3}
